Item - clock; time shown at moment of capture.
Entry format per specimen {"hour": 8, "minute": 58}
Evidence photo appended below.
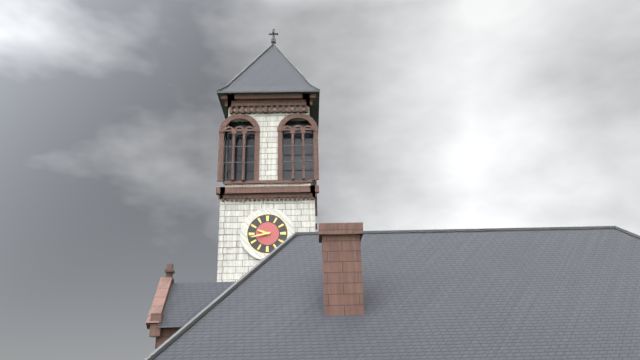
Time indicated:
{"hour": 9, "minute": 43}
